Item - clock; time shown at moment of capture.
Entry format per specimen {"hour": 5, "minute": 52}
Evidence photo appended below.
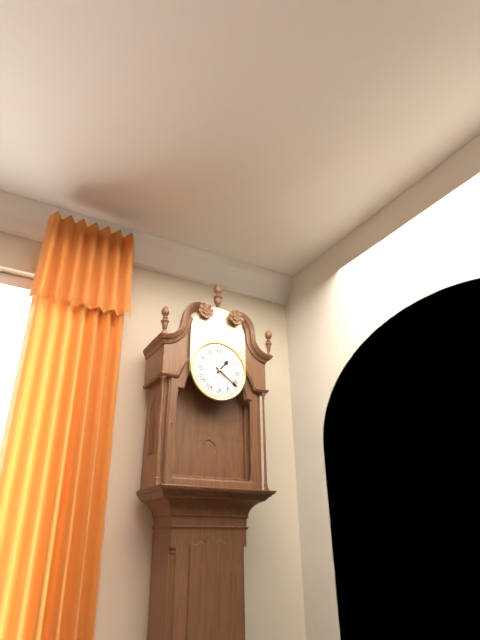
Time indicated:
{"hour": 1, "minute": 21}
